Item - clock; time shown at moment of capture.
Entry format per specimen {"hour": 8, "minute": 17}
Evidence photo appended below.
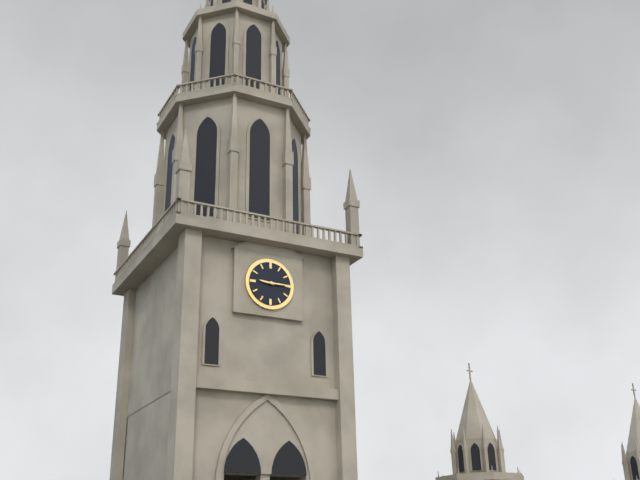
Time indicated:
{"hour": 9, "minute": 15}
